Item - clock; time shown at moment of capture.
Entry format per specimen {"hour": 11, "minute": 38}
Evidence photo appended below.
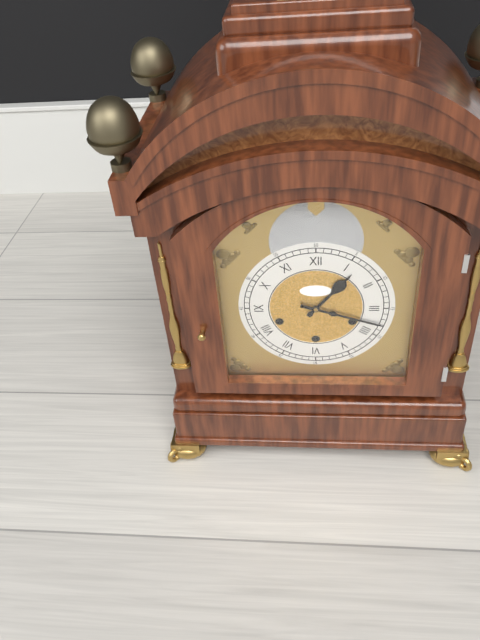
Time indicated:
{"hour": 1, "minute": 18}
